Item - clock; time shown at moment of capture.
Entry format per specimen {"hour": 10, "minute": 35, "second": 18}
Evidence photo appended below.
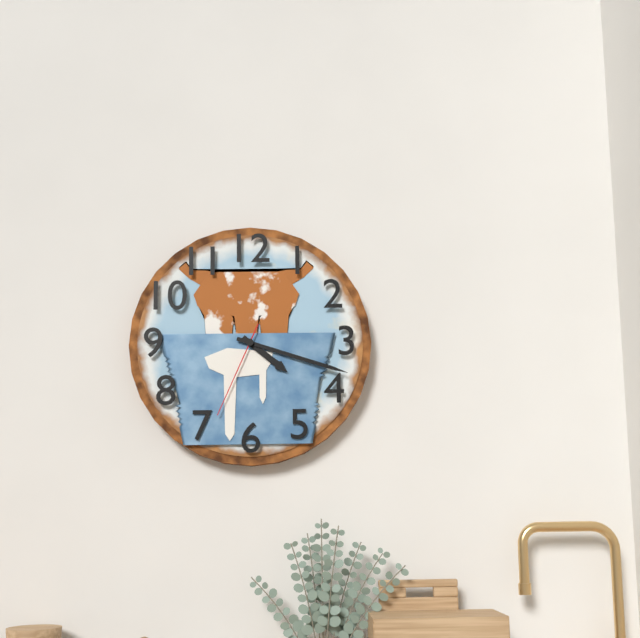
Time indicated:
{"hour": 4, "minute": 18, "second": 34}
